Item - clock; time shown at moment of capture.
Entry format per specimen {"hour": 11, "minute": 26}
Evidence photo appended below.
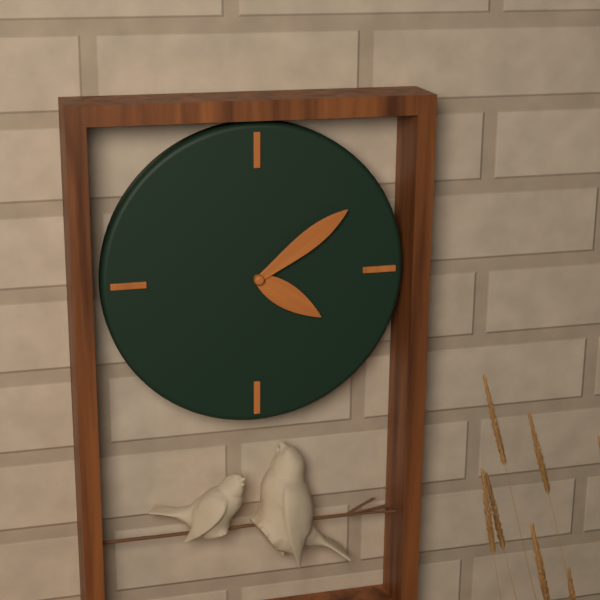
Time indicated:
{"hour": 4, "minute": 9}
